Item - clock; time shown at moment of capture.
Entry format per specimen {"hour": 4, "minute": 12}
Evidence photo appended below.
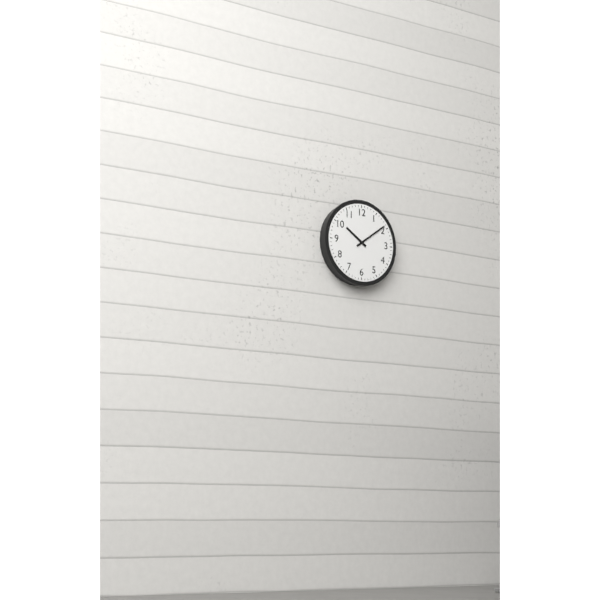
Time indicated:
{"hour": 10, "minute": 9}
